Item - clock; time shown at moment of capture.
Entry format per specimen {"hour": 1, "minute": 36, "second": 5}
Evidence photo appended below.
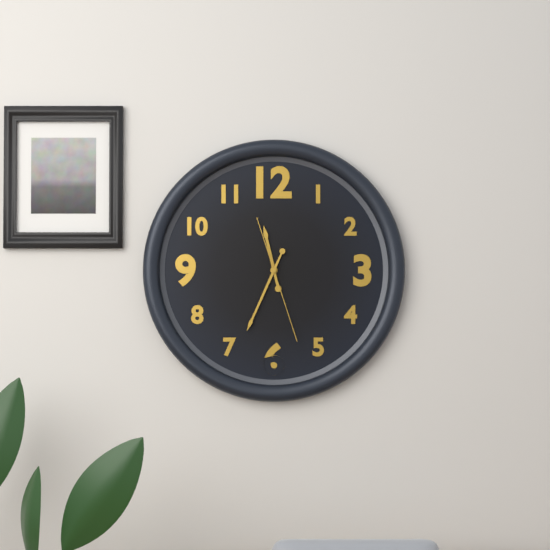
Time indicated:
{"hour": 11, "minute": 34, "second": 27}
